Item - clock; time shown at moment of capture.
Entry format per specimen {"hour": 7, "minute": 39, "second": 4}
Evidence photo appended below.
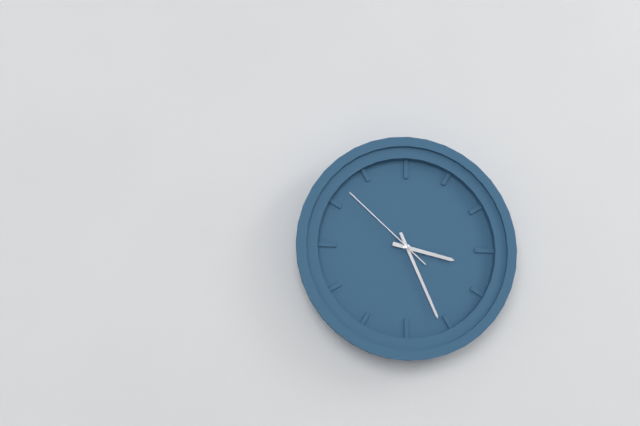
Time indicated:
{"hour": 3, "minute": 26, "second": 52}
